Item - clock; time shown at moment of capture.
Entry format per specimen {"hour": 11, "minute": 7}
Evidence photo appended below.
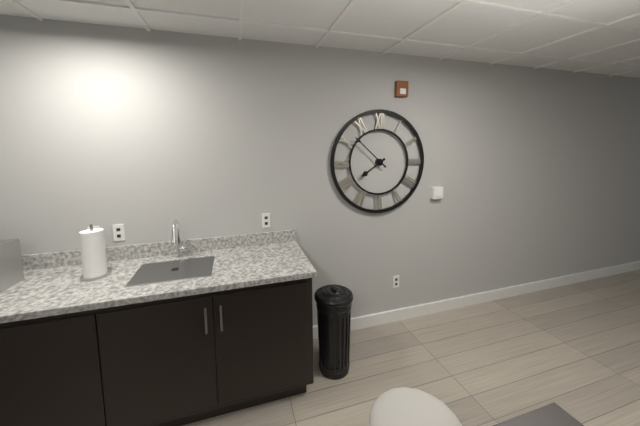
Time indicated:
{"hour": 7, "minute": 52}
